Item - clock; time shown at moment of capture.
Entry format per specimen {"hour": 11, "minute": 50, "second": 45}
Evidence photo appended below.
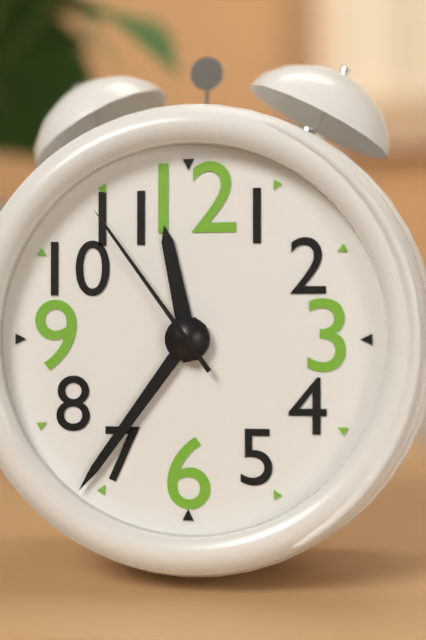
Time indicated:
{"hour": 11, "minute": 36, "second": 54}
